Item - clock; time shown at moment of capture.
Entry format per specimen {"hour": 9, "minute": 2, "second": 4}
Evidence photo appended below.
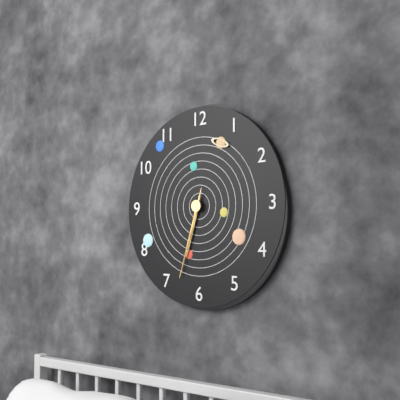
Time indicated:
{"hour": 6, "minute": 33, "second": 33}
